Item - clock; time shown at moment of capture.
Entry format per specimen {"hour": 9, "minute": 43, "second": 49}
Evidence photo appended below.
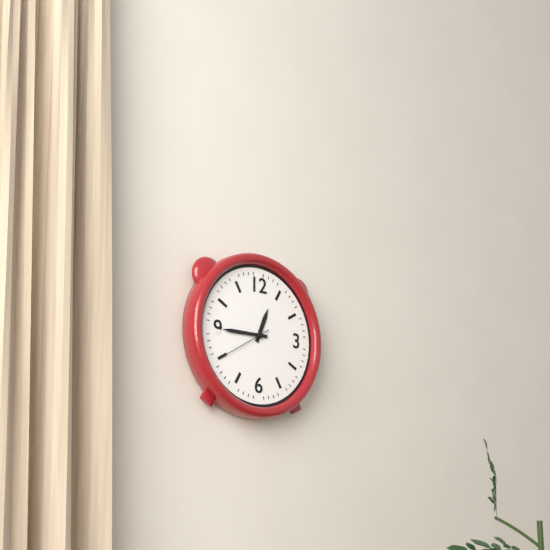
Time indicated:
{"hour": 12, "minute": 45, "second": 40}
